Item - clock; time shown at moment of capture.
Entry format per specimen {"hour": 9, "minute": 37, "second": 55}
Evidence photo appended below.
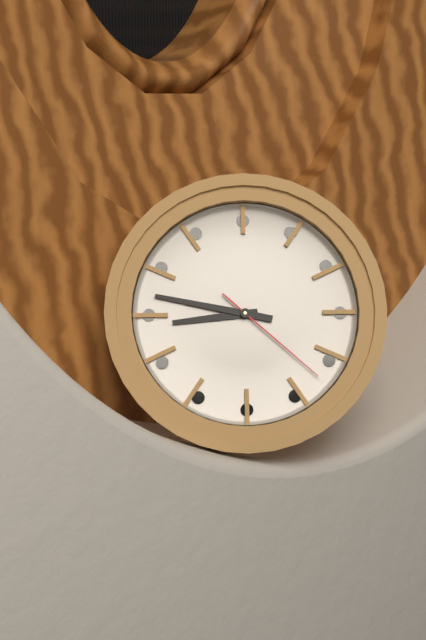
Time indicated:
{"hour": 8, "minute": 47, "second": 22}
